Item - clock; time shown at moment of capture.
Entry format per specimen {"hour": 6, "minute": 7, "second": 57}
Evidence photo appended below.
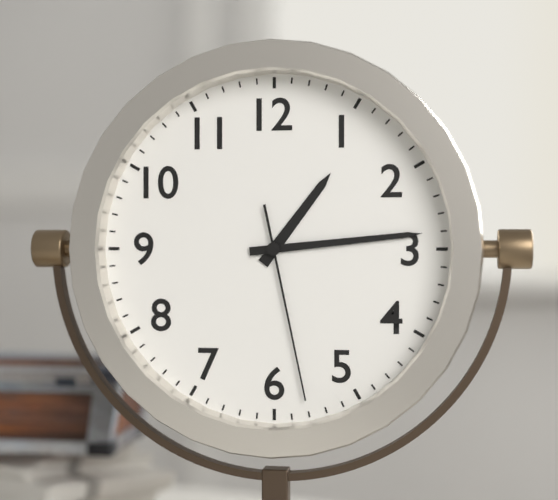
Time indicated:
{"hour": 1, "minute": 14, "second": 28}
